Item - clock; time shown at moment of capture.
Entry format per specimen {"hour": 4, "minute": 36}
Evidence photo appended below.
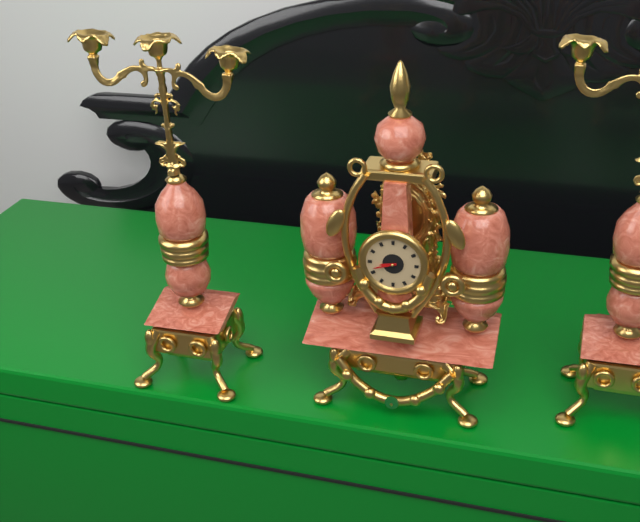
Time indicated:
{"hour": 8, "minute": 42}
